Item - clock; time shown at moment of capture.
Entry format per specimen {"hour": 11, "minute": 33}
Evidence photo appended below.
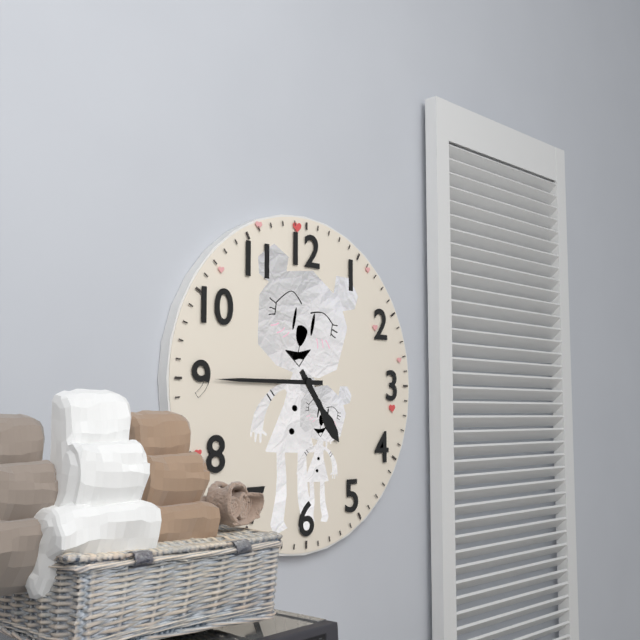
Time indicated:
{"hour": 4, "minute": 45}
